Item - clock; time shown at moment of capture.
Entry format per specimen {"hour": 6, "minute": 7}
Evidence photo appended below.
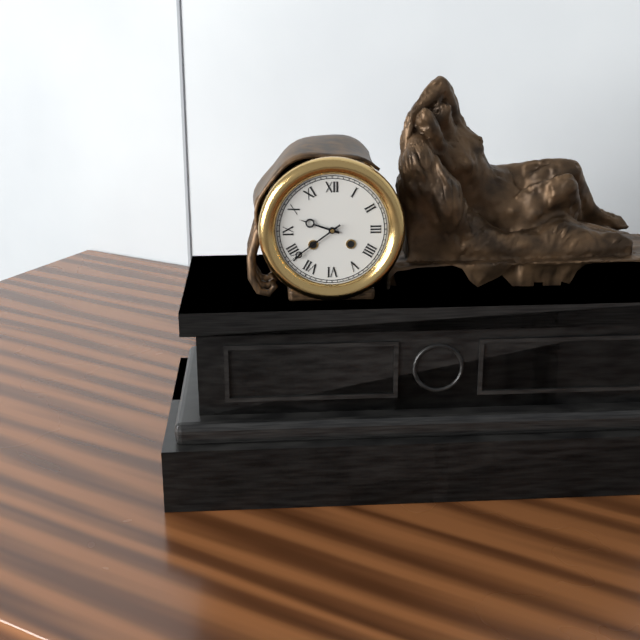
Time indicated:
{"hour": 9, "minute": 39}
